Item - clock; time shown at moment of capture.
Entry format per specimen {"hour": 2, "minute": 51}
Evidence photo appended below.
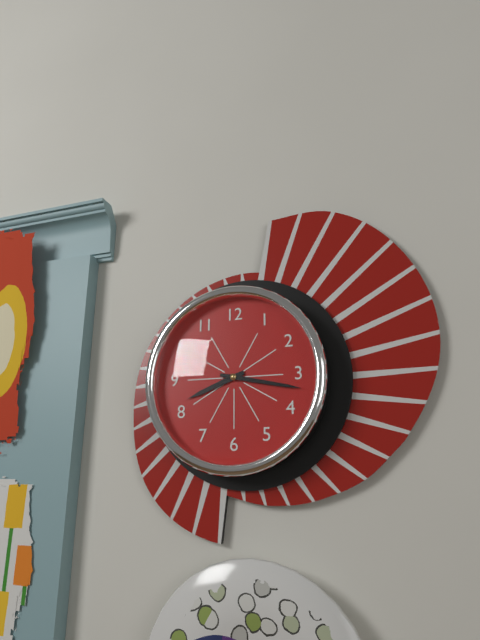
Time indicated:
{"hour": 8, "minute": 17}
